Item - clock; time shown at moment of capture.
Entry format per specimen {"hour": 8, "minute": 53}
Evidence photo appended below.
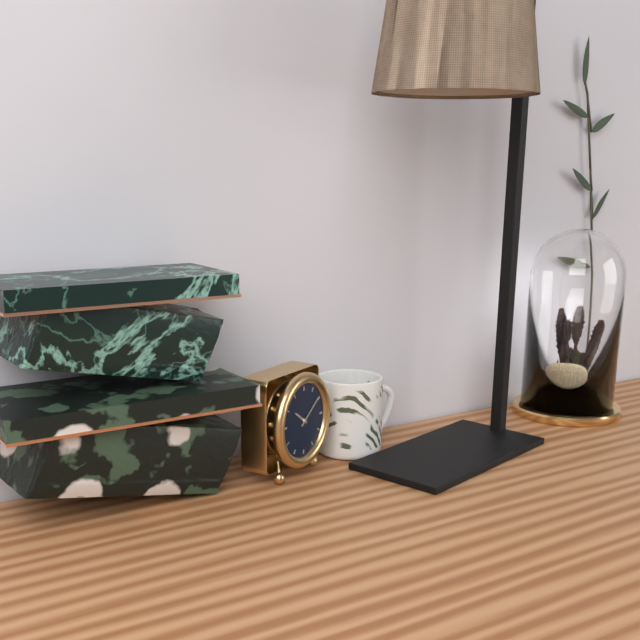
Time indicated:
{"hour": 10, "minute": 9}
